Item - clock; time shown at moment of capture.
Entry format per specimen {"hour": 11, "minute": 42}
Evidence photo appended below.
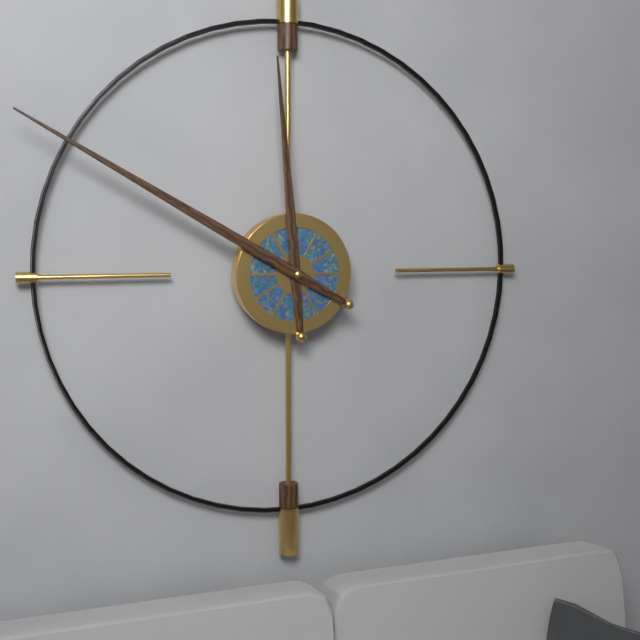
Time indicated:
{"hour": 11, "minute": 50}
